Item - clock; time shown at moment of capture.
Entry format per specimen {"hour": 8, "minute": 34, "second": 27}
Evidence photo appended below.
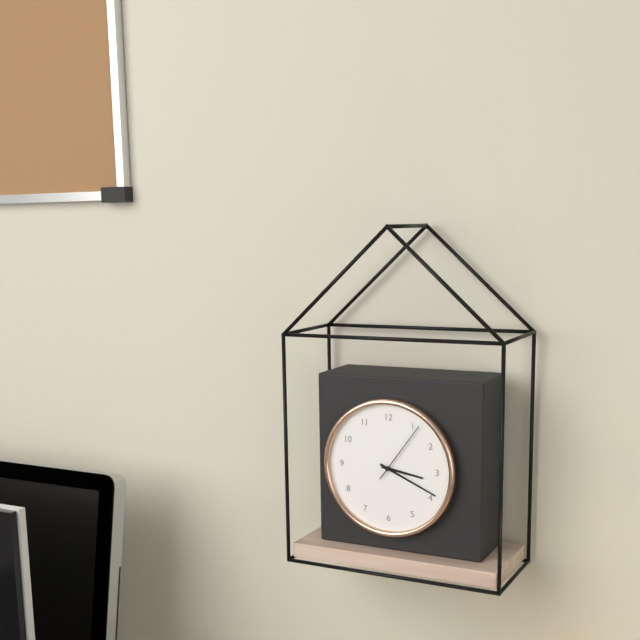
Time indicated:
{"hour": 3, "minute": 19, "second": 6}
